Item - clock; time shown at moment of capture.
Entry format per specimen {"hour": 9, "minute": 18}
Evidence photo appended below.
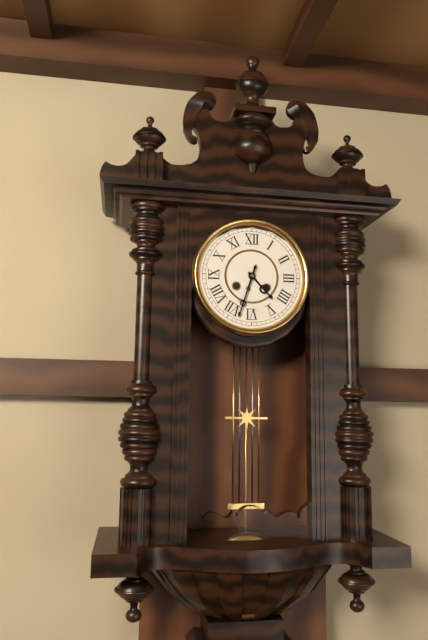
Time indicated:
{"hour": 4, "minute": 33}
